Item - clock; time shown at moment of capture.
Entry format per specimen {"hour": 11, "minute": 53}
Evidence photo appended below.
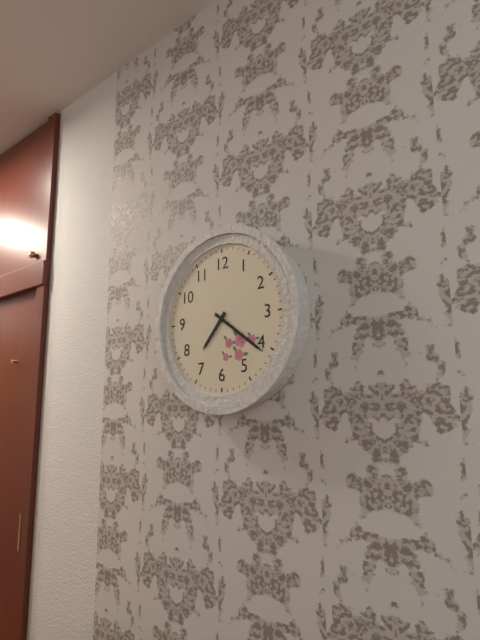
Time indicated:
{"hour": 7, "minute": 21}
